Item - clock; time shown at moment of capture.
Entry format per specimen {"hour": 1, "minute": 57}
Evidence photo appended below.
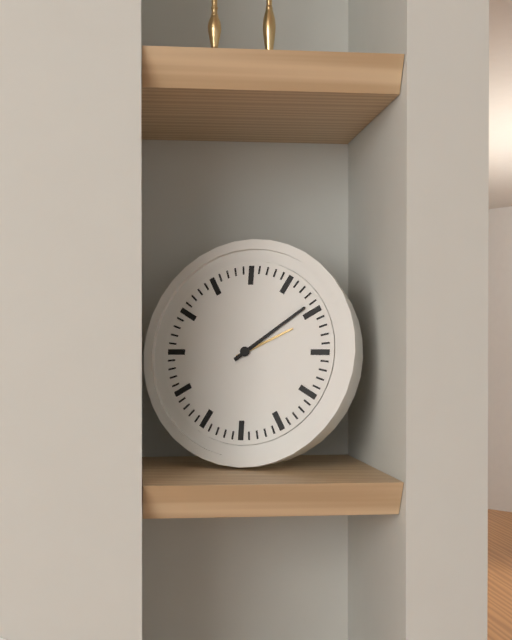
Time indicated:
{"hour": 2, "minute": 9}
